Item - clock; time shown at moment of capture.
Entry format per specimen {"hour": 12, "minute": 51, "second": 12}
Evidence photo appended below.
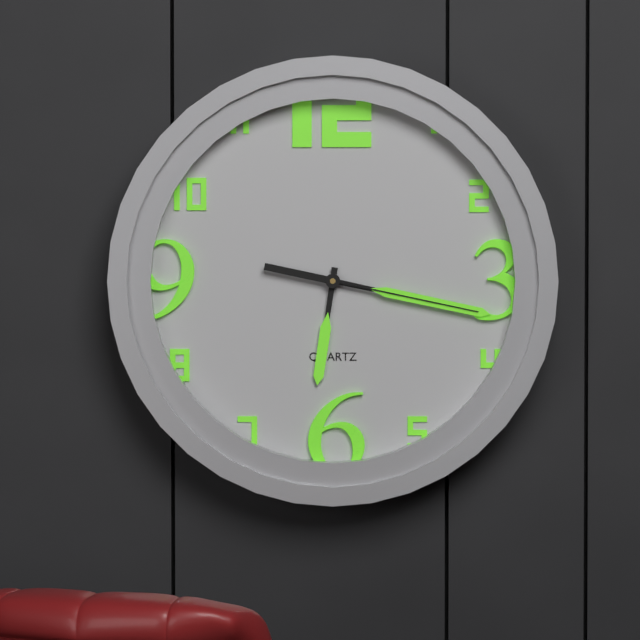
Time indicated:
{"hour": 6, "minute": 17, "second": 17}
